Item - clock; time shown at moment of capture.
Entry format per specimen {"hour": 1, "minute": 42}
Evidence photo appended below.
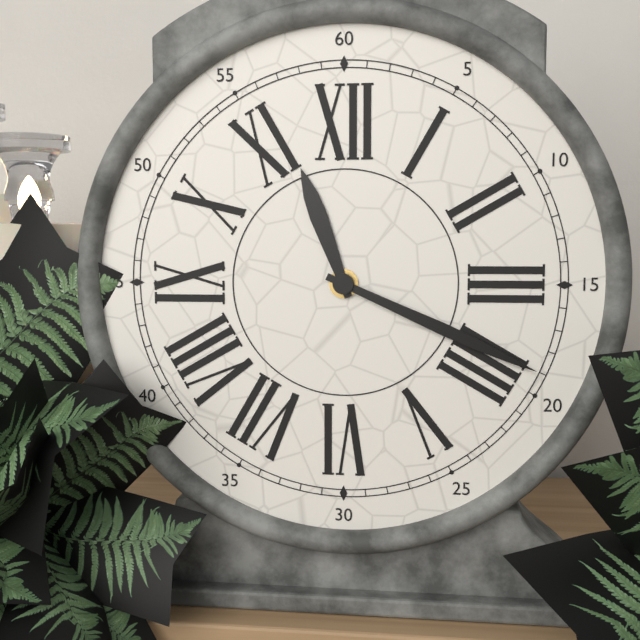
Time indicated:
{"hour": 11, "minute": 19}
